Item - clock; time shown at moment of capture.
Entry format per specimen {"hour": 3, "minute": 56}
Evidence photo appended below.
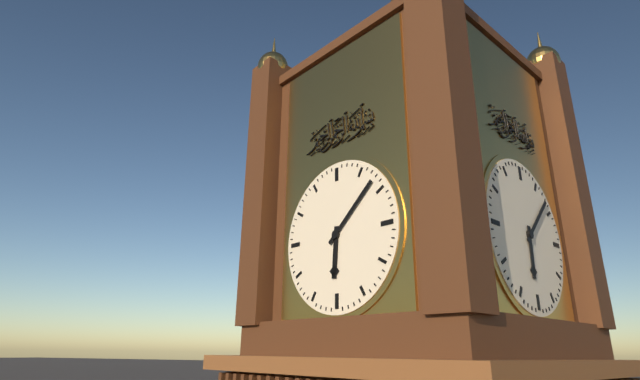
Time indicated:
{"hour": 6, "minute": 8}
